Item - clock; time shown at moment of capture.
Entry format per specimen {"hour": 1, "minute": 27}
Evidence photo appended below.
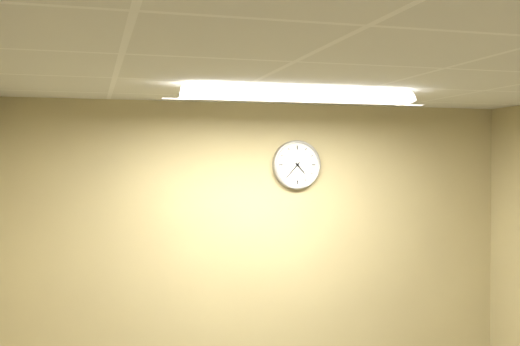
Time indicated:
{"hour": 4, "minute": 37}
